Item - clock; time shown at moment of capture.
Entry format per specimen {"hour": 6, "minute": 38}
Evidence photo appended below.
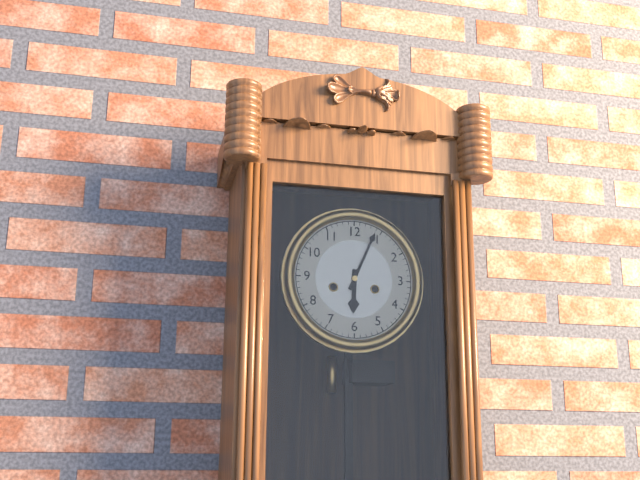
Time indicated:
{"hour": 6, "minute": 4}
